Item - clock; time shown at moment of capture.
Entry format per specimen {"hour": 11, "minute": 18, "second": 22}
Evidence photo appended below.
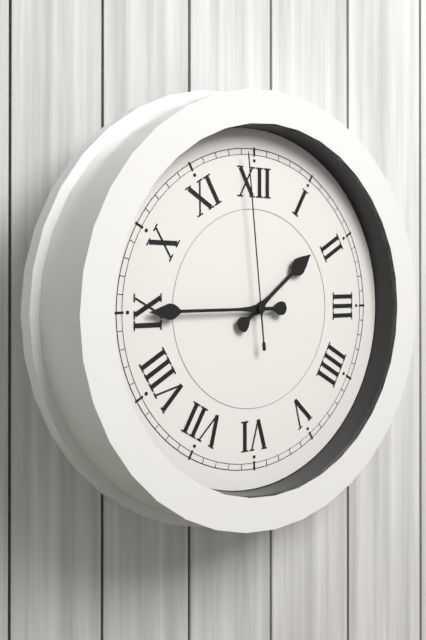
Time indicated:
{"hour": 1, "minute": 45, "second": 59}
